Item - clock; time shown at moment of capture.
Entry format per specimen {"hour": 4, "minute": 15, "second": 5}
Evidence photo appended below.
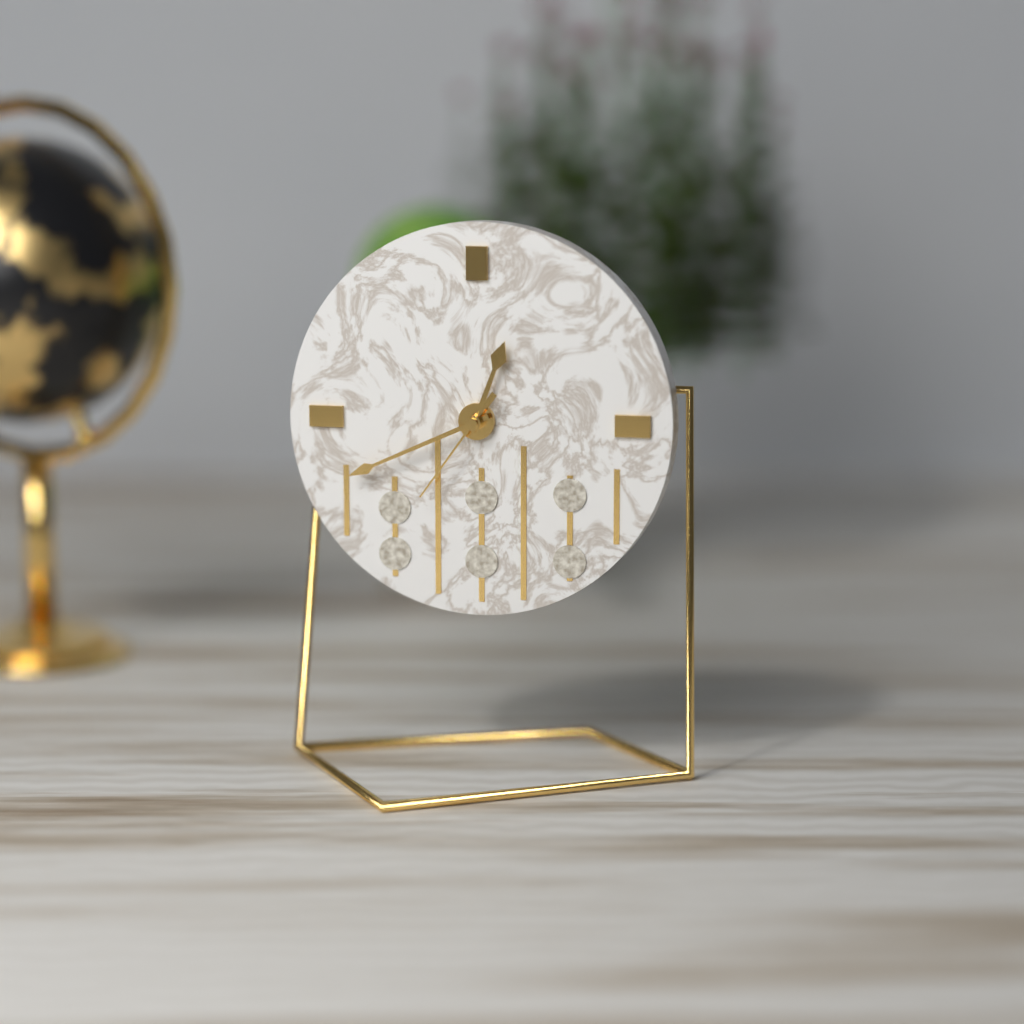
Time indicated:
{"hour": 12, "minute": 41, "second": 36}
